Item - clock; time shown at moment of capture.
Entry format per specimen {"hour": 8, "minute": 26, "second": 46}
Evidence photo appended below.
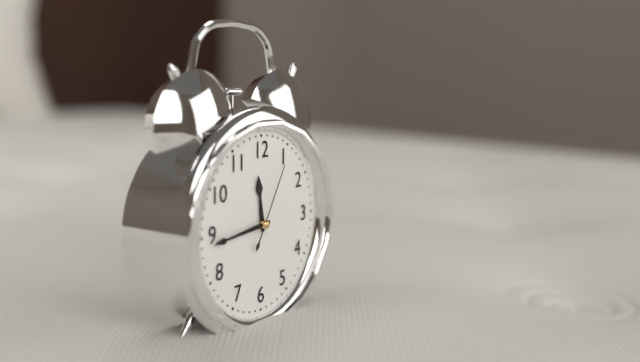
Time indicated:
{"hour": 11, "minute": 44, "second": 5}
